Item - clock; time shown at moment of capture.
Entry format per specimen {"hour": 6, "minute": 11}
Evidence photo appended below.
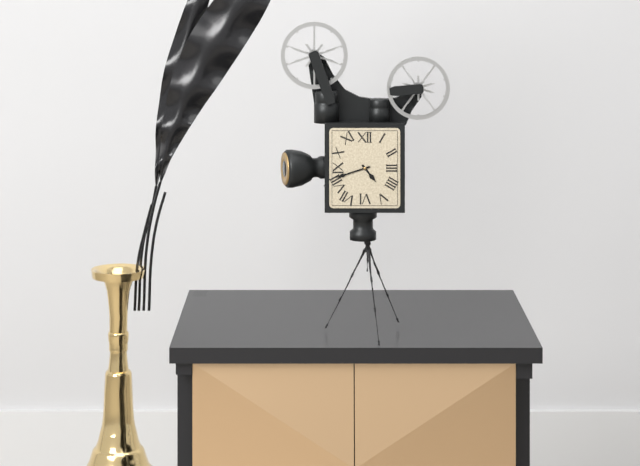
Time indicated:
{"hour": 4, "minute": 42}
